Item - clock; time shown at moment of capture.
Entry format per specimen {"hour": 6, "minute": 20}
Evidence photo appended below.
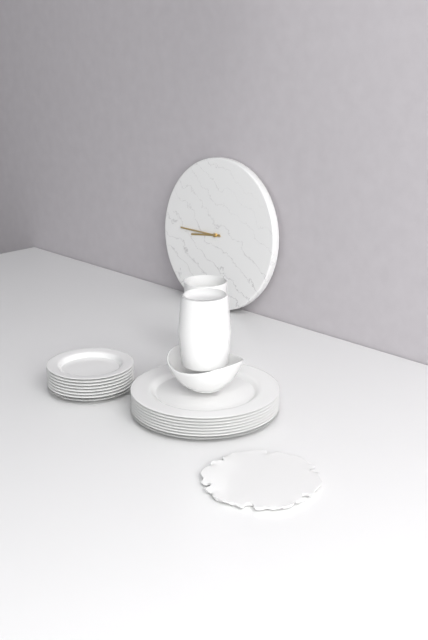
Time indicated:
{"hour": 8, "minute": 45}
